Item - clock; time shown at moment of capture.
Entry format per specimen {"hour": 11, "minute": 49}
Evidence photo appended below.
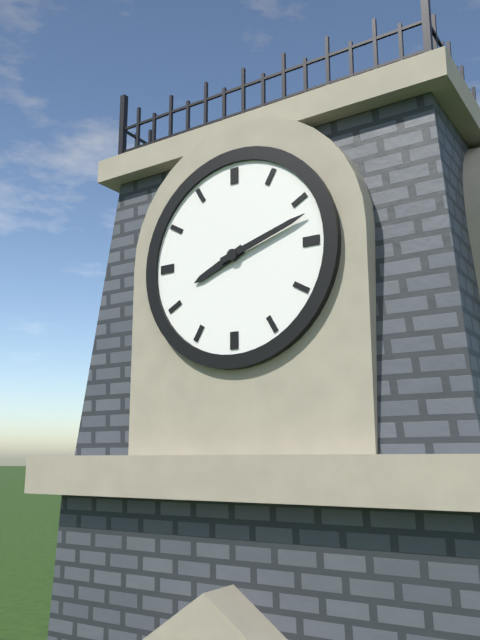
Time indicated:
{"hour": 8, "minute": 12}
